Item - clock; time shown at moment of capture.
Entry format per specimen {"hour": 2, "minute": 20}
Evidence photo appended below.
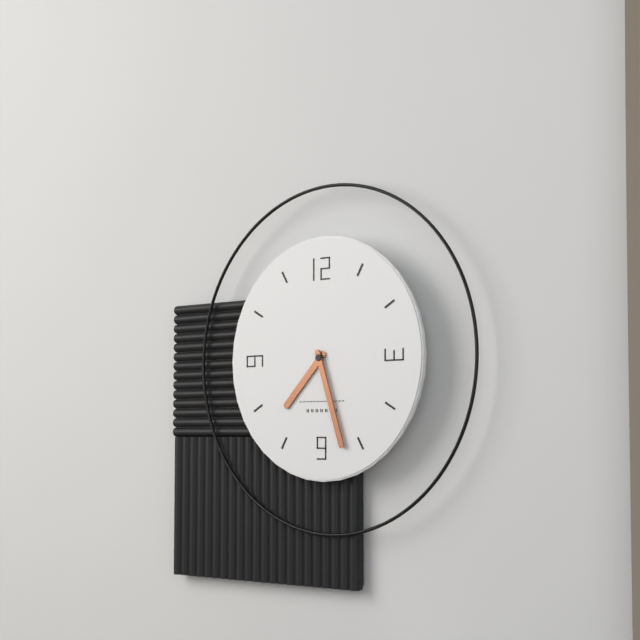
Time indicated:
{"hour": 7, "minute": 27}
